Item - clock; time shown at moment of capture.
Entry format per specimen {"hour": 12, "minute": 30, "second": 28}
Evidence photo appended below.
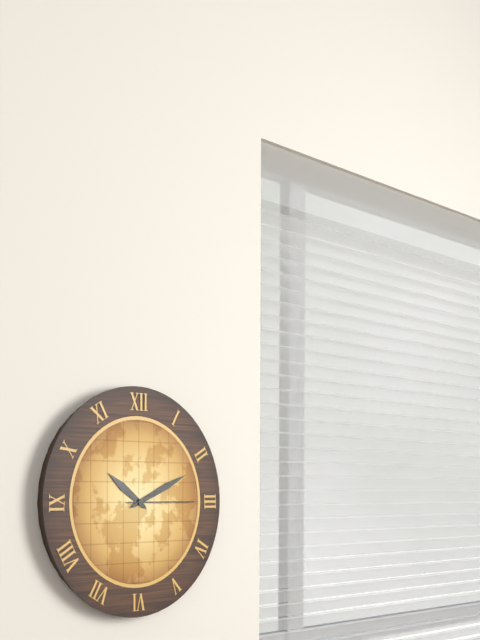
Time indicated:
{"hour": 10, "minute": 11, "second": 15}
